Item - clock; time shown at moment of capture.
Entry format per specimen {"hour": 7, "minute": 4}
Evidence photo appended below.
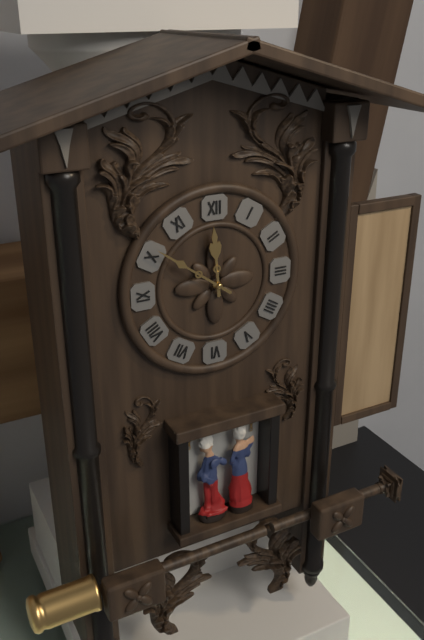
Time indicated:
{"hour": 11, "minute": 51}
